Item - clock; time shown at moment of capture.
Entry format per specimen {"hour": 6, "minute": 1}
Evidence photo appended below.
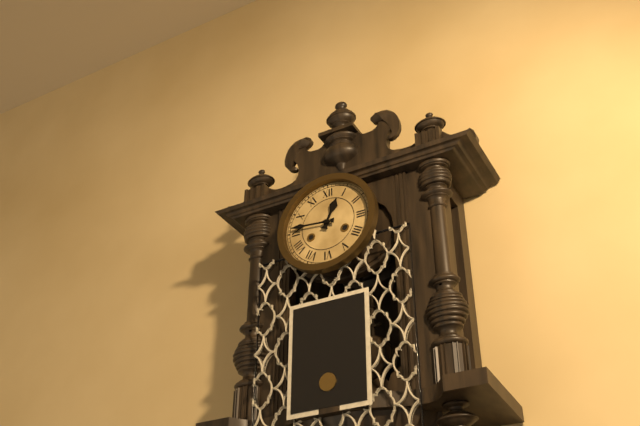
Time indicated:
{"hour": 12, "minute": 46}
